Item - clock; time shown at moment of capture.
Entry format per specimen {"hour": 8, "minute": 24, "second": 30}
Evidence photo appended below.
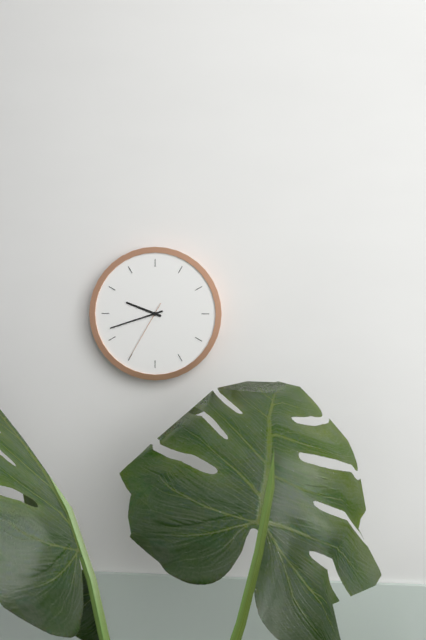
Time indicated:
{"hour": 9, "minute": 42, "second": 35}
